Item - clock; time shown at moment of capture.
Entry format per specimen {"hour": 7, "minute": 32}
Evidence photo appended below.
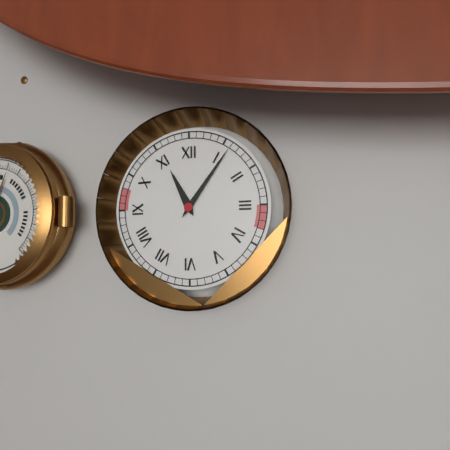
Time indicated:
{"hour": 11, "minute": 6}
